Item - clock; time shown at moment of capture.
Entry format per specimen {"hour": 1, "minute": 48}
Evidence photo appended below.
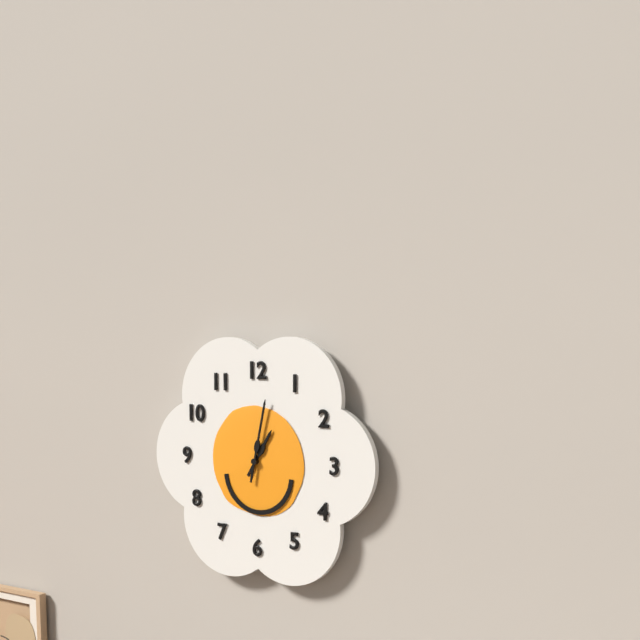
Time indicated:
{"hour": 1, "minute": 2}
